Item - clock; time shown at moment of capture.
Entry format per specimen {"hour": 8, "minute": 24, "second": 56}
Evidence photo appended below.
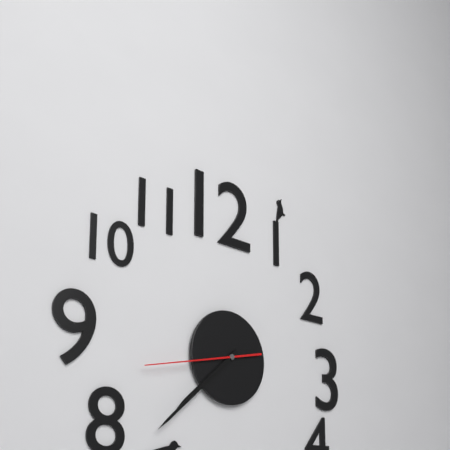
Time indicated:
{"hour": 7, "minute": 38, "second": 43}
